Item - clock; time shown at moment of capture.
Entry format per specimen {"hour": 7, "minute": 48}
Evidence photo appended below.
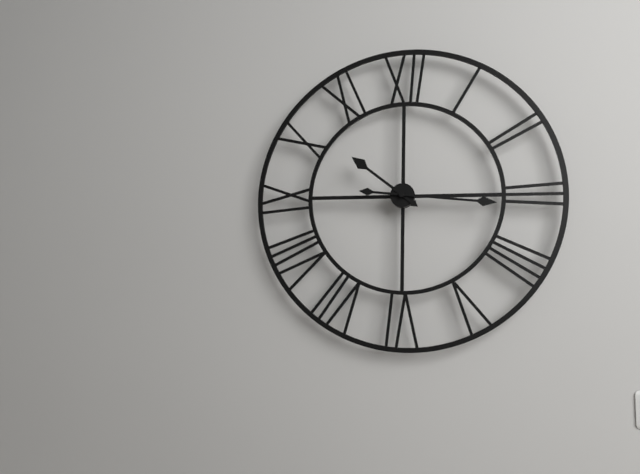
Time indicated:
{"hour": 10, "minute": 16}
